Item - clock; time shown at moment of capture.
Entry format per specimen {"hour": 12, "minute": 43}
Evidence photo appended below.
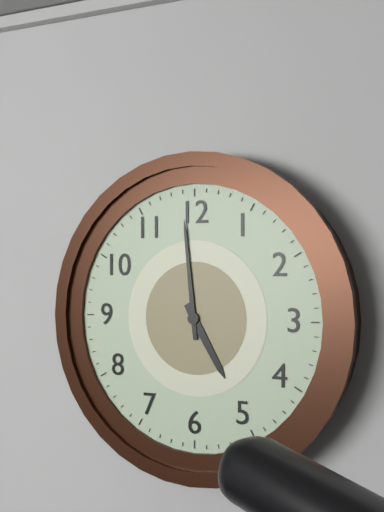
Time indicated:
{"hour": 4, "minute": 59}
